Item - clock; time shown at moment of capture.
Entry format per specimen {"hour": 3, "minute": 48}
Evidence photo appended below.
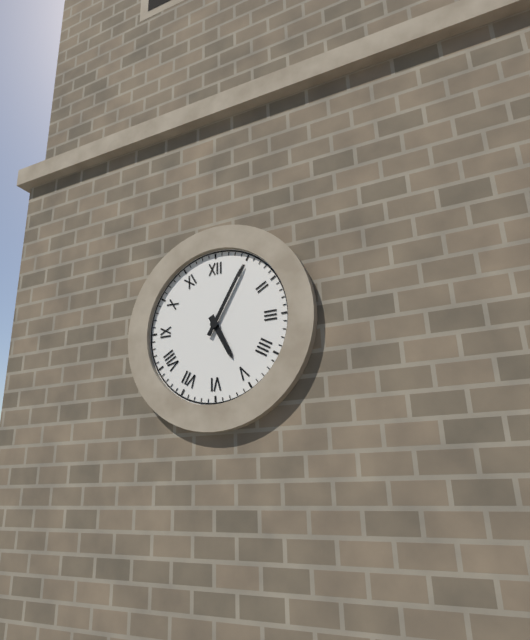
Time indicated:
{"hour": 5, "minute": 5}
